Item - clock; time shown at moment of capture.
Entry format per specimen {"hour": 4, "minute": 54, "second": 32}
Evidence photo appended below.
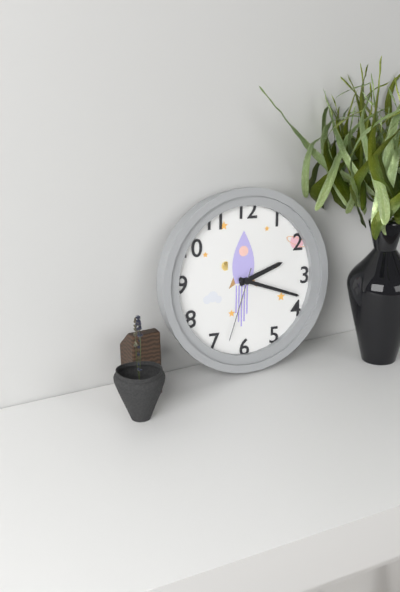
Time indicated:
{"hour": 2, "minute": 18, "second": 33}
